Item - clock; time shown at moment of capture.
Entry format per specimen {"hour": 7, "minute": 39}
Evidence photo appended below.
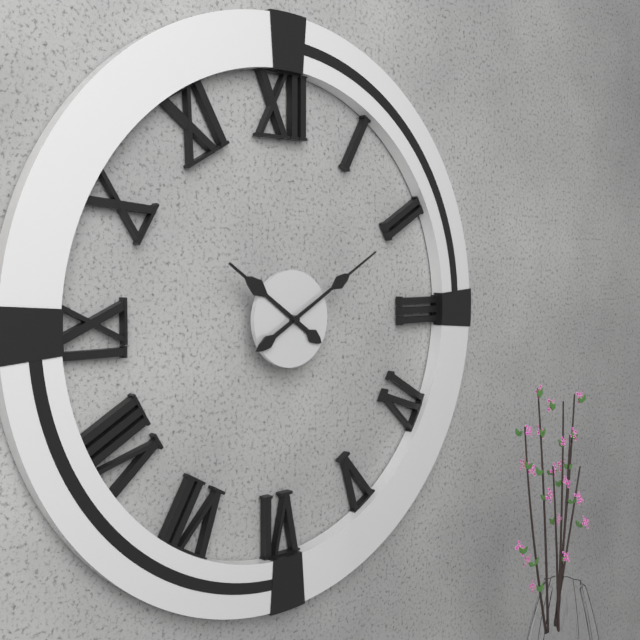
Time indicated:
{"hour": 10, "minute": 10}
